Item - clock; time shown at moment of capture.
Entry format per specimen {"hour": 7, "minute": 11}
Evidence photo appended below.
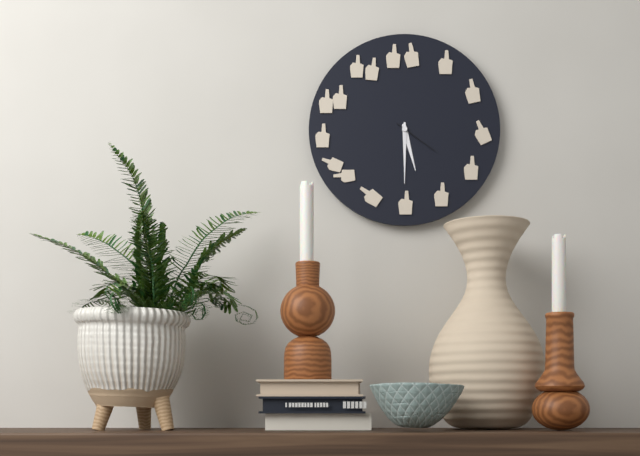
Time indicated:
{"hour": 5, "minute": 30}
